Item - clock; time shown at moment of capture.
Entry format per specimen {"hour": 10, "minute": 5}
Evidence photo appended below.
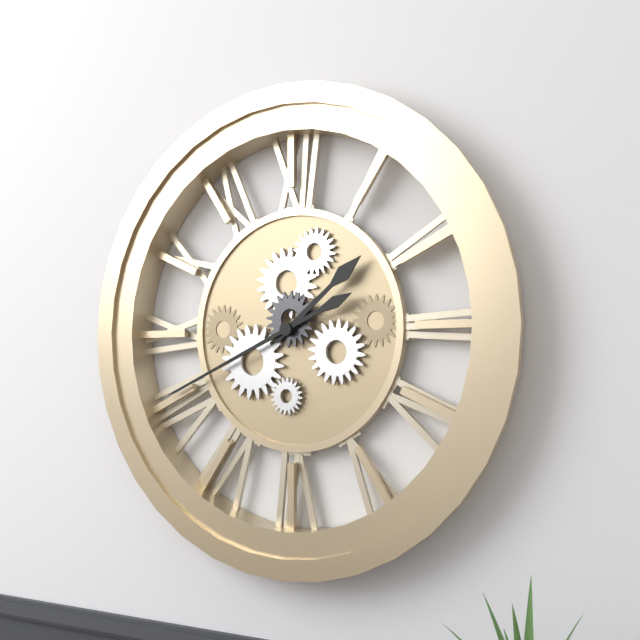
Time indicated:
{"hour": 1, "minute": 41}
